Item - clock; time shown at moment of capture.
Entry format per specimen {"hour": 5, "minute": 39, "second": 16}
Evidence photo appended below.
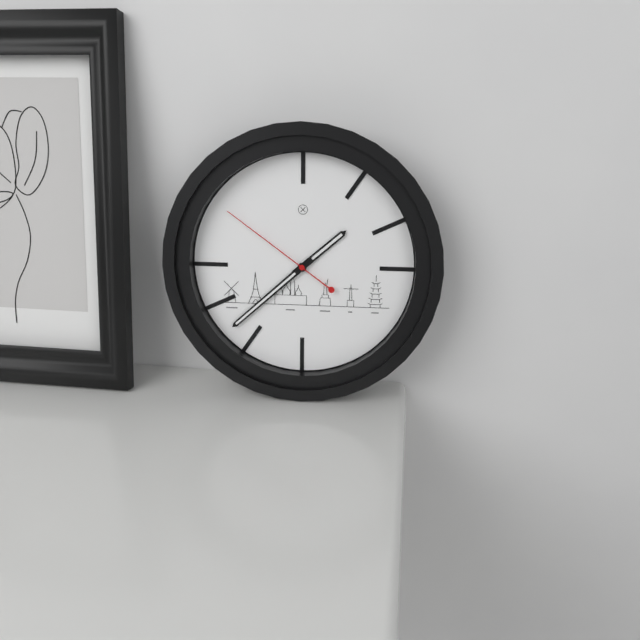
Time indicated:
{"hour": 1, "minute": 38, "second": 51}
